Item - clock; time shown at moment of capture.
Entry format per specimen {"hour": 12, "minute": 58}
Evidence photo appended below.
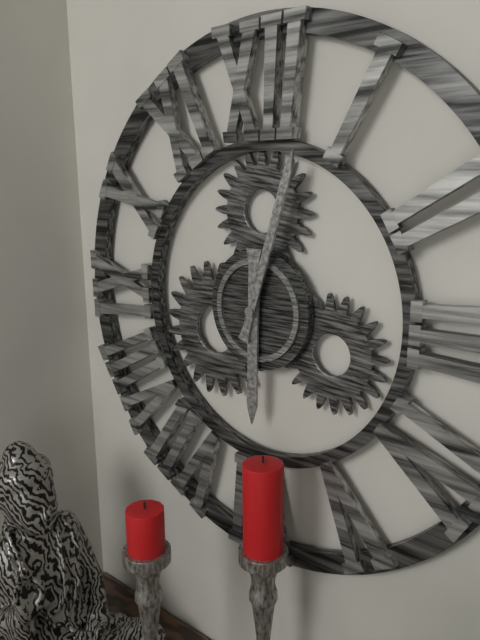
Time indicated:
{"hour": 6, "minute": 3}
